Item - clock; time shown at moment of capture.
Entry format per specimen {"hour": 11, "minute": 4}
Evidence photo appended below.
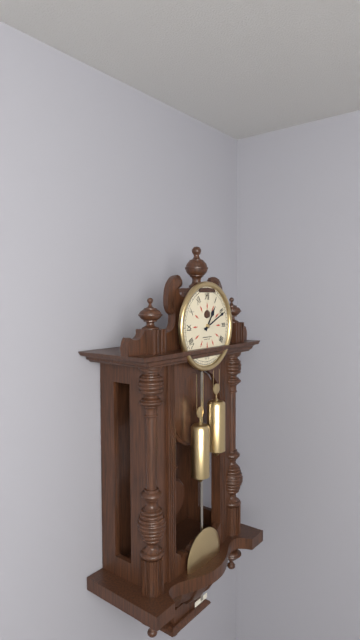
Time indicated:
{"hour": 1, "minute": 11}
